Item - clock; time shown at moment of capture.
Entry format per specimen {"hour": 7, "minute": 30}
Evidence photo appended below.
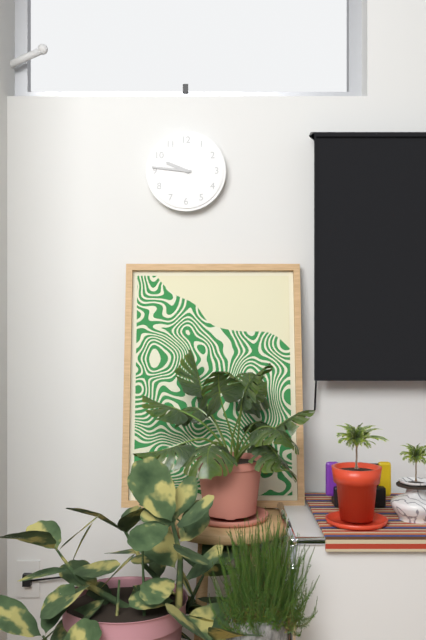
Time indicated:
{"hour": 9, "minute": 46}
